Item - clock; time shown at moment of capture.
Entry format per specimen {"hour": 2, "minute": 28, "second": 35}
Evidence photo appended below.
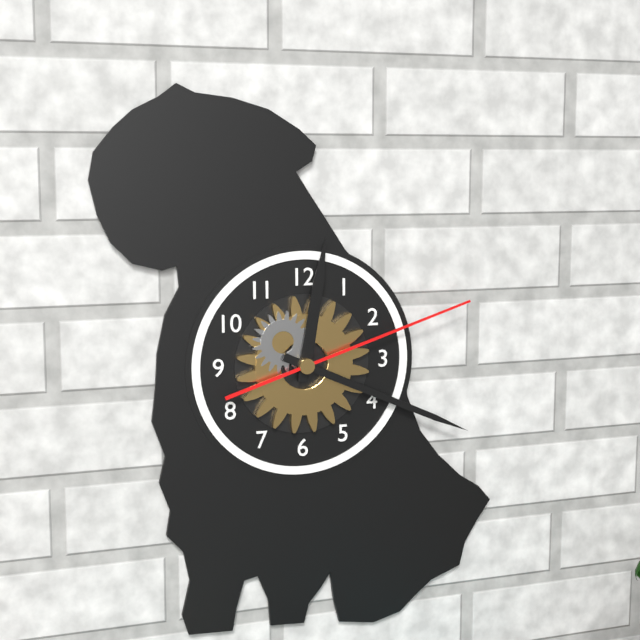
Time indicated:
{"hour": 12, "minute": 19, "second": 12}
